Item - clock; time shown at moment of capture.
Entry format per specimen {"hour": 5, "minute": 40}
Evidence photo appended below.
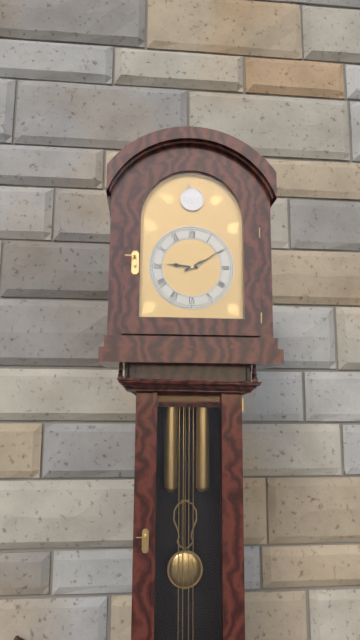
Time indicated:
{"hour": 9, "minute": 10}
